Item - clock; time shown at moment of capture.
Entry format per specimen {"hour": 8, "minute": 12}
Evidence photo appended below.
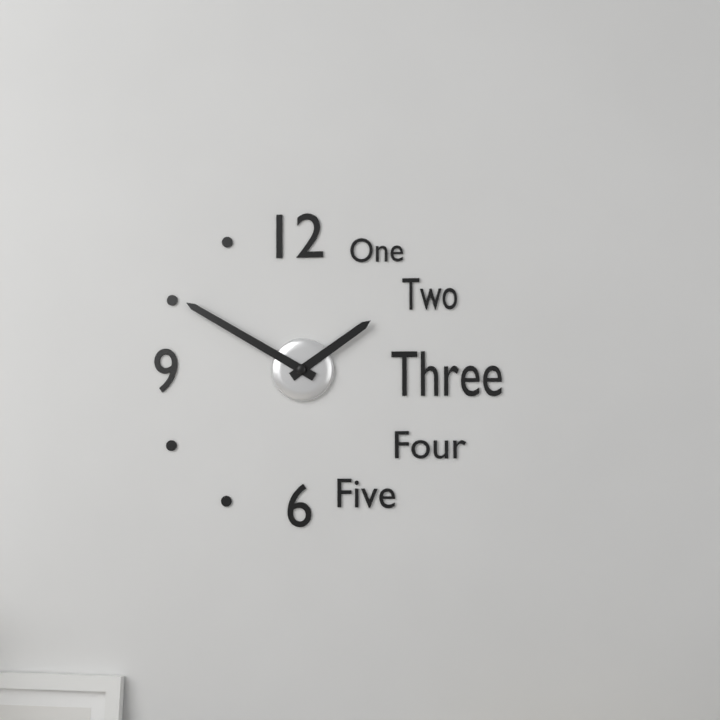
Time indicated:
{"hour": 1, "minute": 50}
